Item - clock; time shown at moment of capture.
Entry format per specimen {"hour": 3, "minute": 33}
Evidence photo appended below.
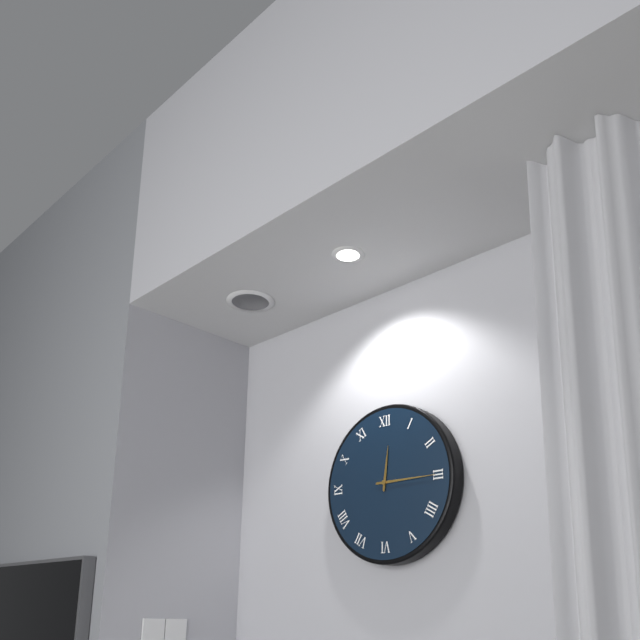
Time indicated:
{"hour": 12, "minute": 15}
